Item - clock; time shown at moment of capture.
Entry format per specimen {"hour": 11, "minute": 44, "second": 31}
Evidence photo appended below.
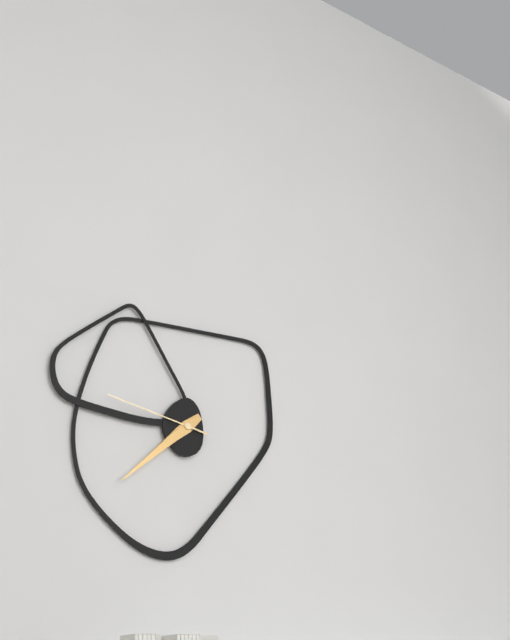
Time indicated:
{"hour": 7, "minute": 38, "second": 47}
